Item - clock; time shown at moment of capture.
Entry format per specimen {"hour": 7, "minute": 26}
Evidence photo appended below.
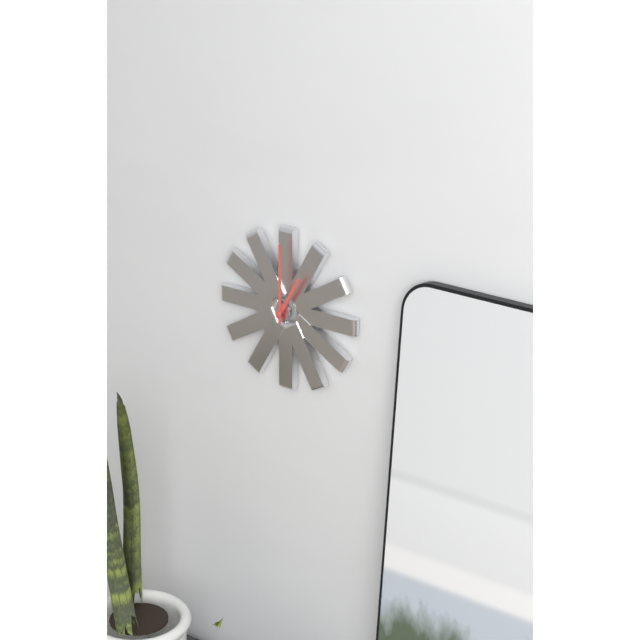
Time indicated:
{"hour": 1, "minute": 0}
